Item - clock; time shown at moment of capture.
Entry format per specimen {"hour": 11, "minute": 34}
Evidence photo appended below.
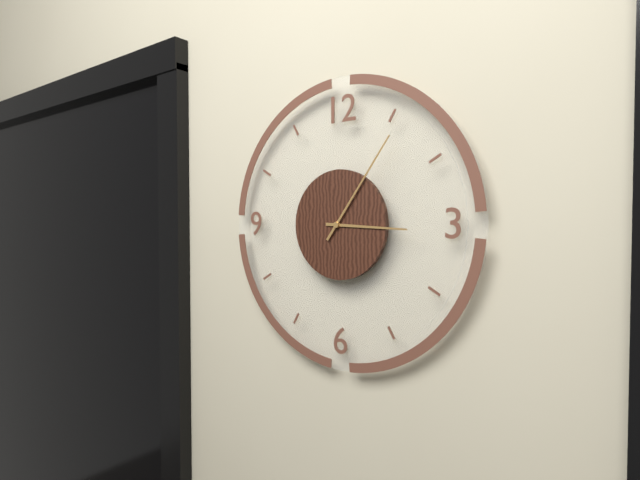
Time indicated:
{"hour": 3, "minute": 6}
